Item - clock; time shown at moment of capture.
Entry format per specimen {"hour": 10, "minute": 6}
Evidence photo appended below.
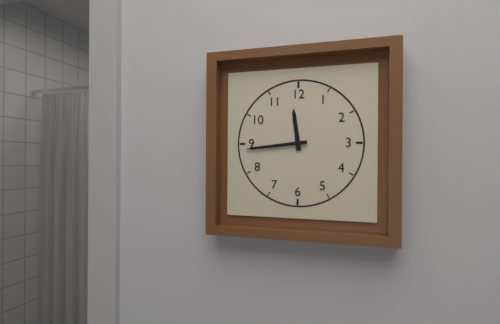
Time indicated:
{"hour": 11, "minute": 44}
